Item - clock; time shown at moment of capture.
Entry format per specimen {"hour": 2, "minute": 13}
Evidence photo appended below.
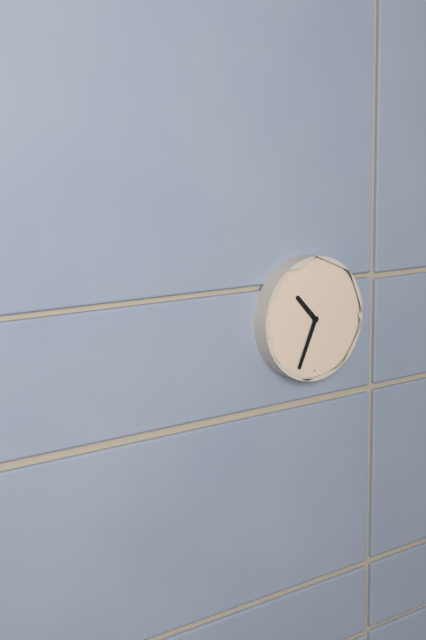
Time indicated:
{"hour": 10, "minute": 34}
